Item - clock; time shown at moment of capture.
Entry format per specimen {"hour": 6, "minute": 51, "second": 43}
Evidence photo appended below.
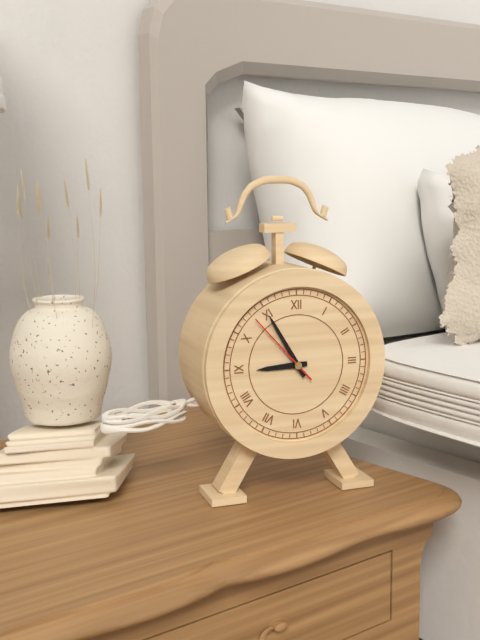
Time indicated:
{"hour": 8, "minute": 55, "second": 53}
